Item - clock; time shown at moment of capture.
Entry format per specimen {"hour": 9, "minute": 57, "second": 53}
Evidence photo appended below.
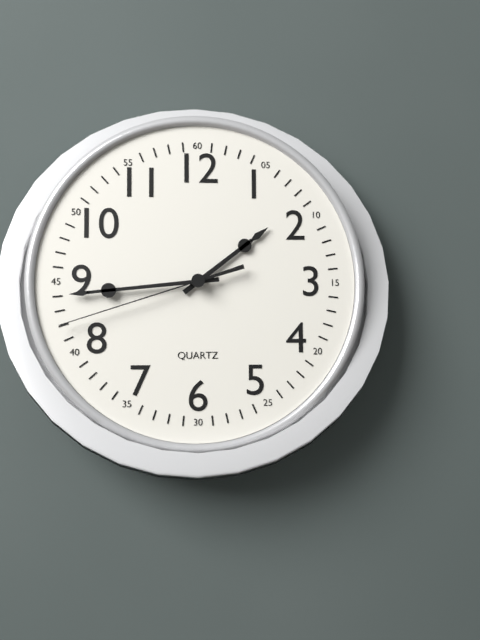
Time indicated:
{"hour": 1, "minute": 44, "second": 42}
